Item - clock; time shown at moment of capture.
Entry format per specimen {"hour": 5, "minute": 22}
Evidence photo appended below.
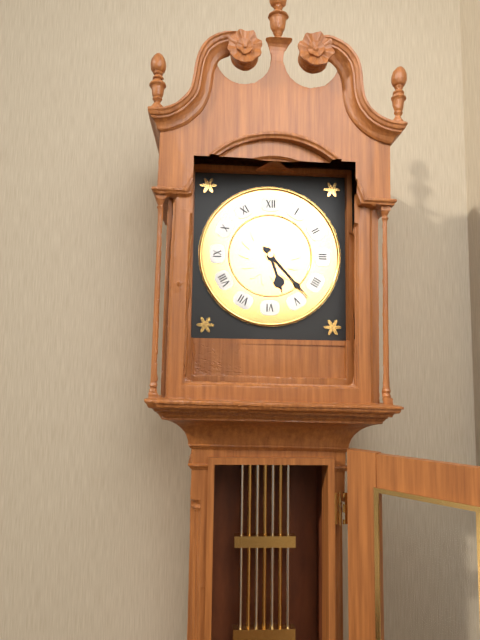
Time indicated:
{"hour": 5, "minute": 23}
